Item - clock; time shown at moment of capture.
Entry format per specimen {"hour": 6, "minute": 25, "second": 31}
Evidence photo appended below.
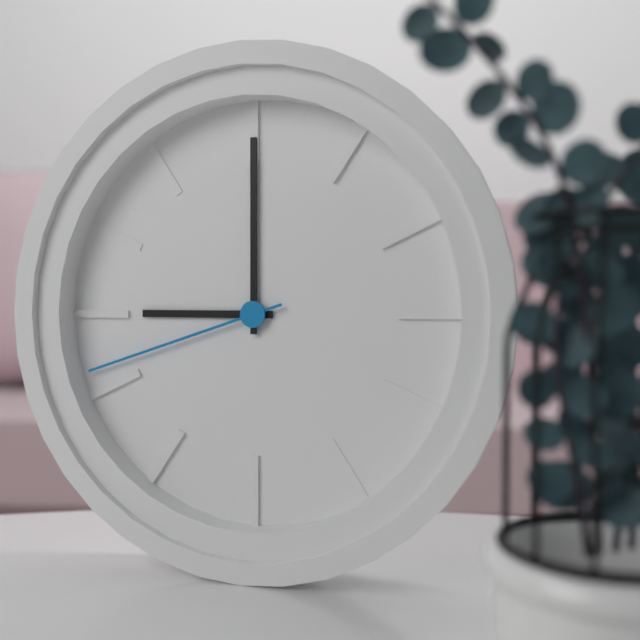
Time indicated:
{"hour": 9, "minute": 0, "second": 42}
